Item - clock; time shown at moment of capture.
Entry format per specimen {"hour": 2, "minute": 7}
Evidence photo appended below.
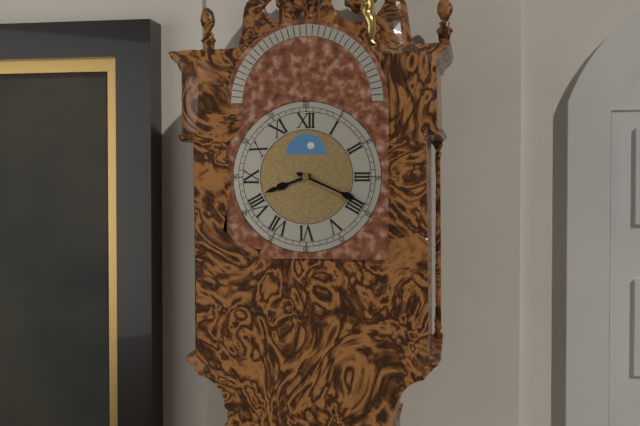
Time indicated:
{"hour": 8, "minute": 19}
